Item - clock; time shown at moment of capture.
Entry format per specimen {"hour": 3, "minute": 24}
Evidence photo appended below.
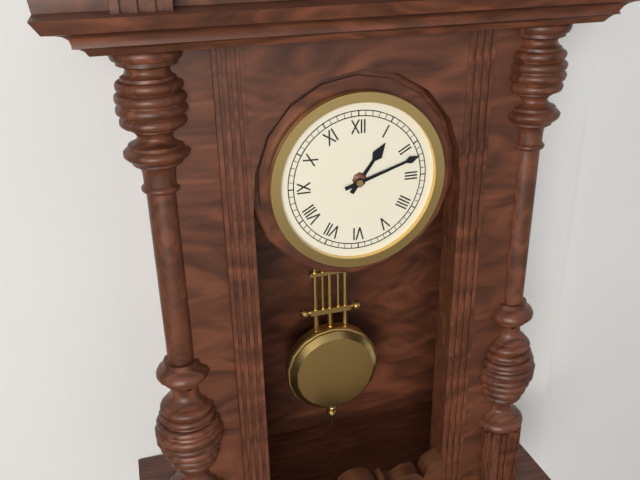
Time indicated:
{"hour": 1, "minute": 12}
